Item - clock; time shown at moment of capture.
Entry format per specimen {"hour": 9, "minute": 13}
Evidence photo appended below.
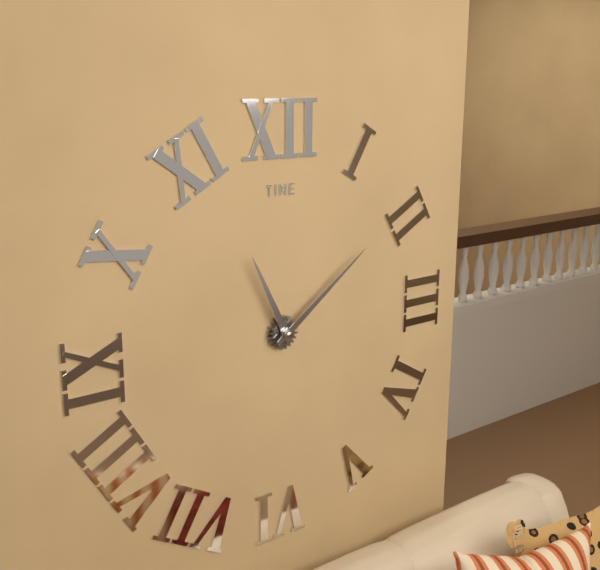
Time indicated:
{"hour": 11, "minute": 9}
